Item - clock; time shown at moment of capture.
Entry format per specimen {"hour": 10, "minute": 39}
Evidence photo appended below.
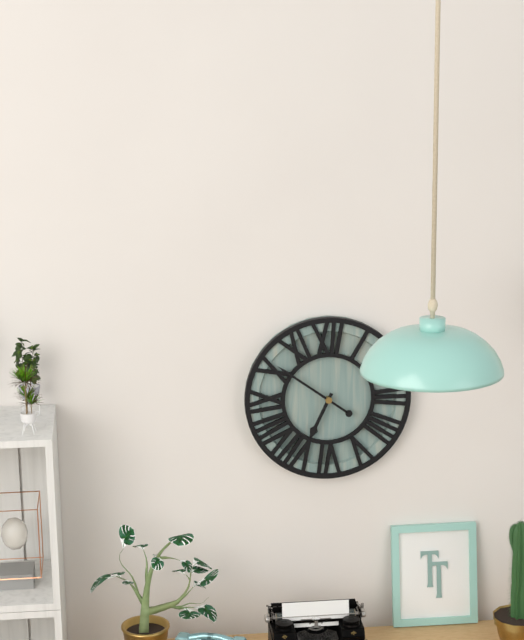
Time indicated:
{"hour": 6, "minute": 51}
